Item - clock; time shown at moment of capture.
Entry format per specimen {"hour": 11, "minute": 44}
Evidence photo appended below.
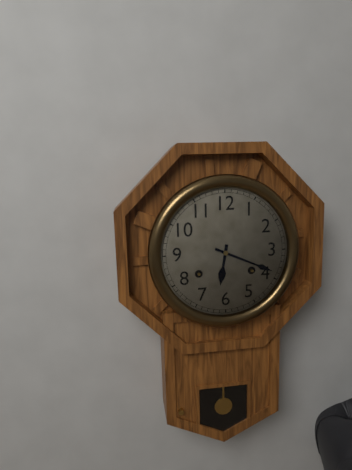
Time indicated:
{"hour": 6, "minute": 19}
